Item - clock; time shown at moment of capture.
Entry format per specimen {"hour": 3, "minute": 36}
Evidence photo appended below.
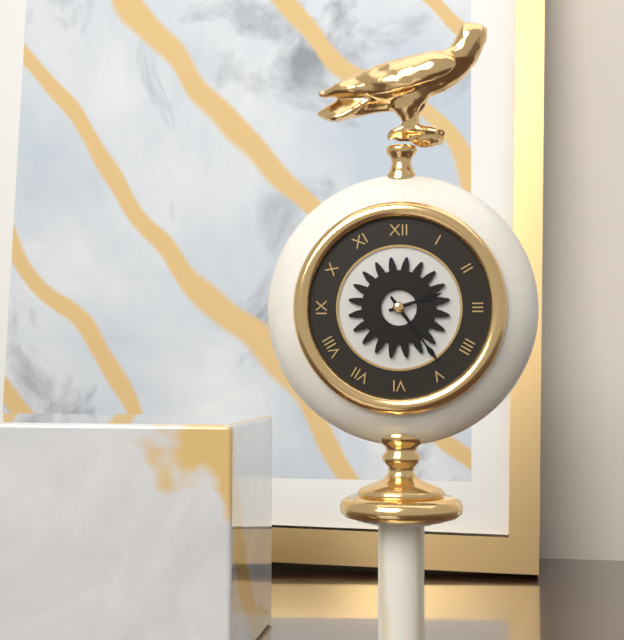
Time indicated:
{"hour": 2, "minute": 24}
